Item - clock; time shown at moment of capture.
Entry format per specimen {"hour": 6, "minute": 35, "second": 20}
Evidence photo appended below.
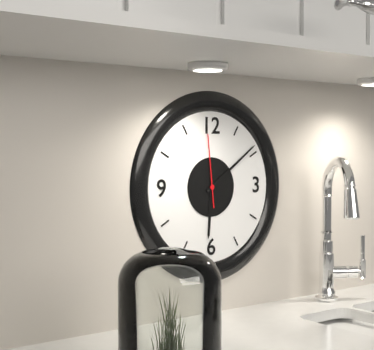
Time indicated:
{"hour": 6, "minute": 9, "second": 59}
